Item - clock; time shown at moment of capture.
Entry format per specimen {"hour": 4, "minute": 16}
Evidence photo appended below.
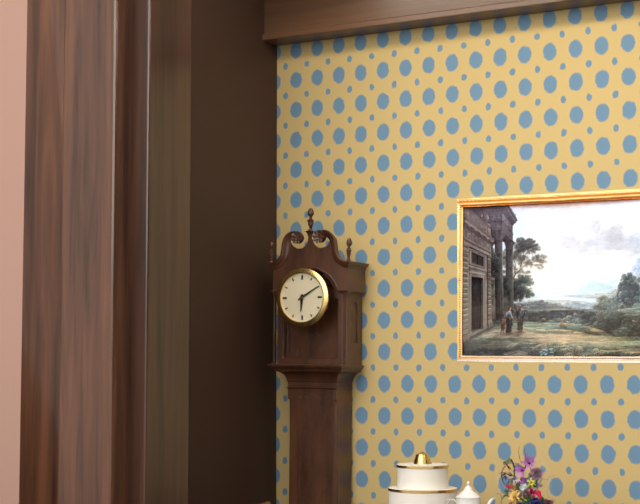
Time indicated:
{"hour": 6, "minute": 10}
